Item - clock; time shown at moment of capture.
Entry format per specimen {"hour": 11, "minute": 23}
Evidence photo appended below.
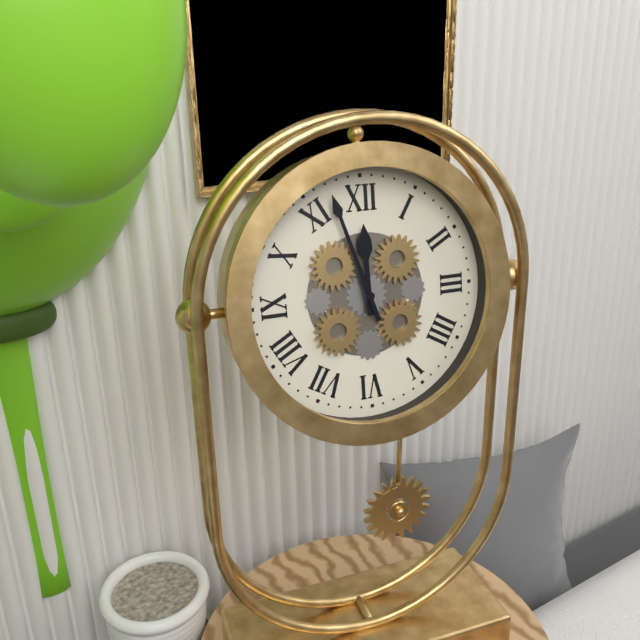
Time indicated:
{"hour": 11, "minute": 57}
